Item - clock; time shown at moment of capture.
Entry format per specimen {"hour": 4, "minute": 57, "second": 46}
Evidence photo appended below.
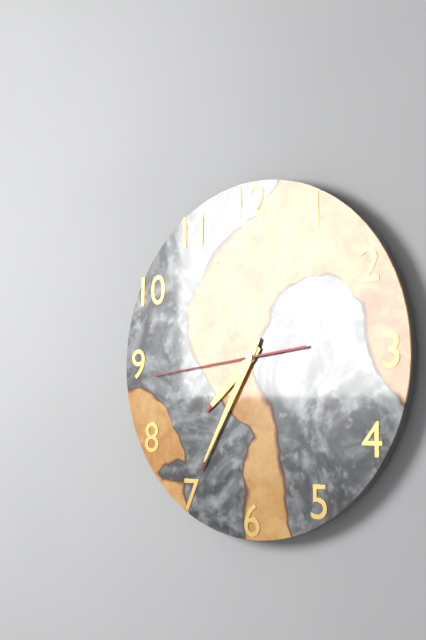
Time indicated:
{"hour": 7, "minute": 35, "second": 44}
